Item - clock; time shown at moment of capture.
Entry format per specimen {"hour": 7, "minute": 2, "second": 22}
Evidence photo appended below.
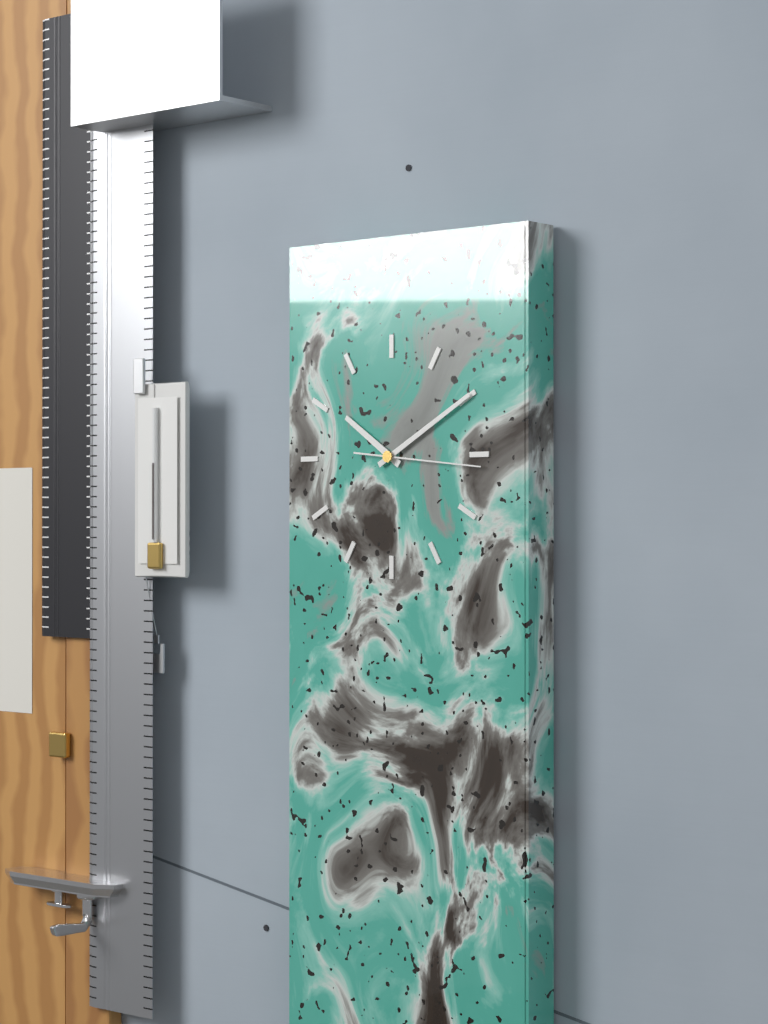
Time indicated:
{"hour": 10, "minute": 10, "second": 16}
